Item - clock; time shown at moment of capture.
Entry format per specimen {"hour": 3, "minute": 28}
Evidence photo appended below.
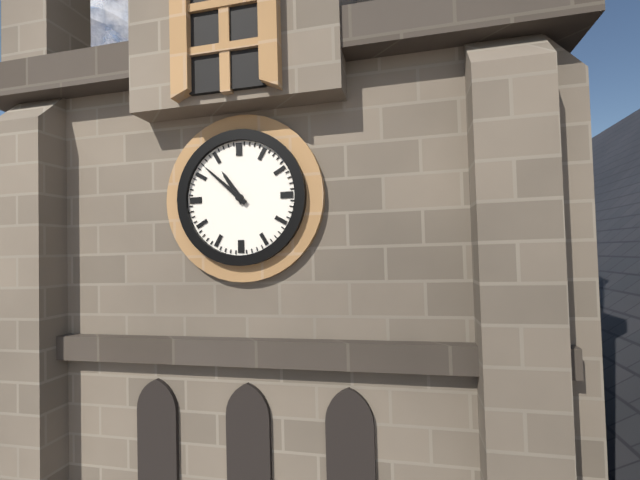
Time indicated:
{"hour": 10, "minute": 52}
